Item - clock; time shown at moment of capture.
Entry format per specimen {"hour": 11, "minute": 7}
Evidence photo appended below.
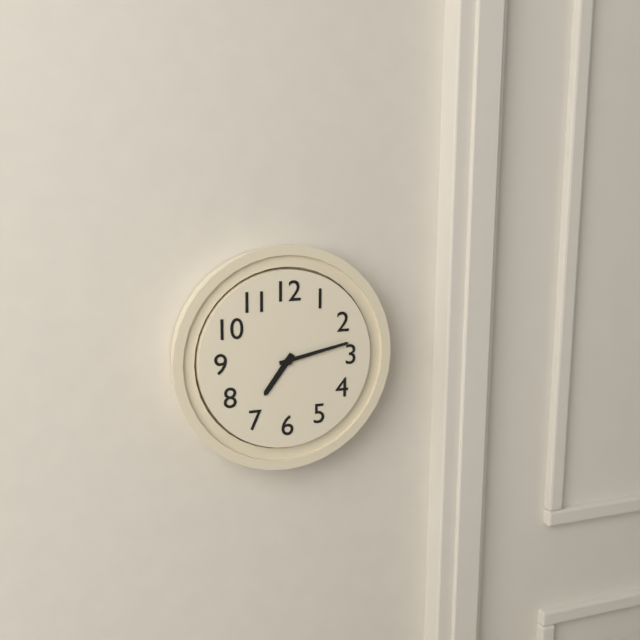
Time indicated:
{"hour": 7, "minute": 13}
